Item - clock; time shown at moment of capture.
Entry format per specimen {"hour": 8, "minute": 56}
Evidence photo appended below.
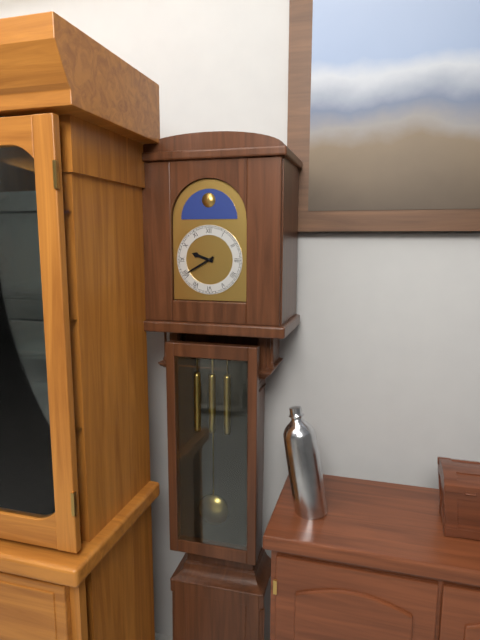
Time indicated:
{"hour": 9, "minute": 40}
